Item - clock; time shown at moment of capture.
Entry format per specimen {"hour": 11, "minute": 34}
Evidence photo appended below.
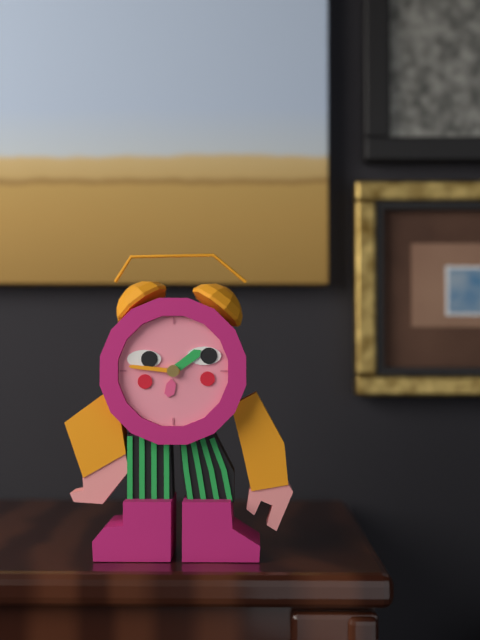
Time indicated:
{"hour": 1, "minute": 46}
